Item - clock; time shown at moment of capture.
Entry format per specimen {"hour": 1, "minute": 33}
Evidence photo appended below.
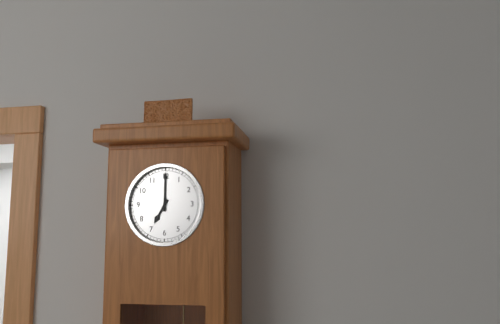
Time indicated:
{"hour": 7, "minute": 0}
